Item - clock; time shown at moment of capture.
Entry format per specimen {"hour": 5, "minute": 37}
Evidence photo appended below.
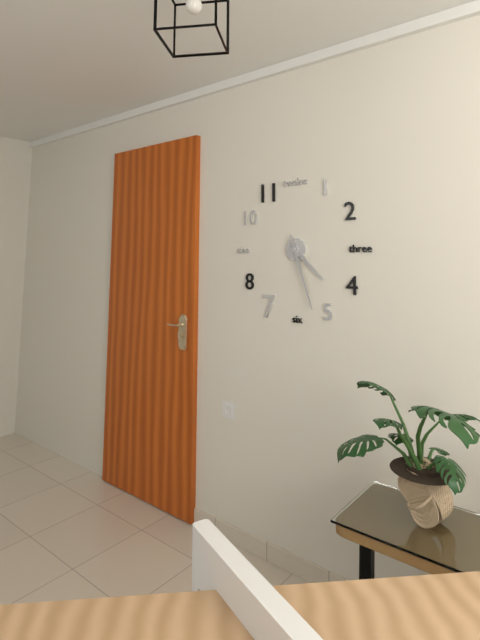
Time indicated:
{"hour": 4, "minute": 27}
